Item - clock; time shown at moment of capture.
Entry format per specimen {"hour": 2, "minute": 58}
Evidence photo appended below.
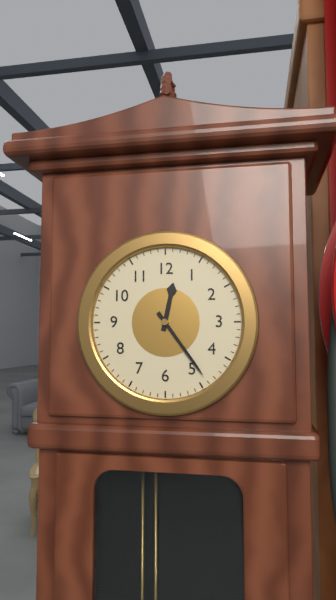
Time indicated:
{"hour": 12, "minute": 24}
